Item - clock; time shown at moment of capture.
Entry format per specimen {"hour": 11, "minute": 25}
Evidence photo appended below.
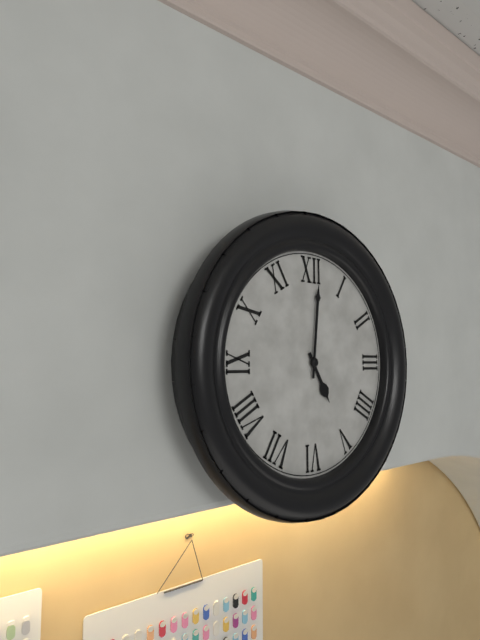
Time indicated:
{"hour": 5, "minute": 1}
